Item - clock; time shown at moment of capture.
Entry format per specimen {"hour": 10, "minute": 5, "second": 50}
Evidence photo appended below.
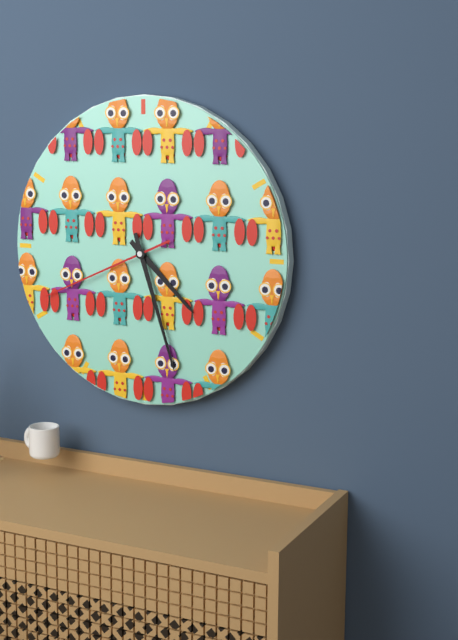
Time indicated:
{"hour": 4, "minute": 27, "second": 41}
